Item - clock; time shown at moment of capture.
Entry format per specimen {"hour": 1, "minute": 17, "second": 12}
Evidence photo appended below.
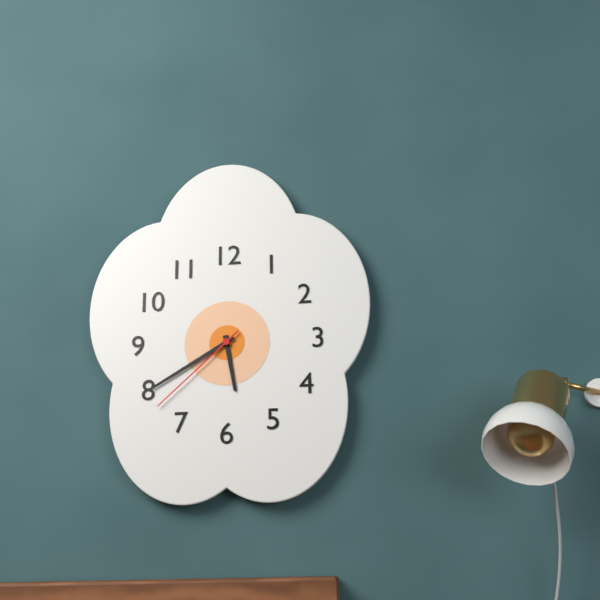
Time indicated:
{"hour": 5, "minute": 40, "second": 38}
